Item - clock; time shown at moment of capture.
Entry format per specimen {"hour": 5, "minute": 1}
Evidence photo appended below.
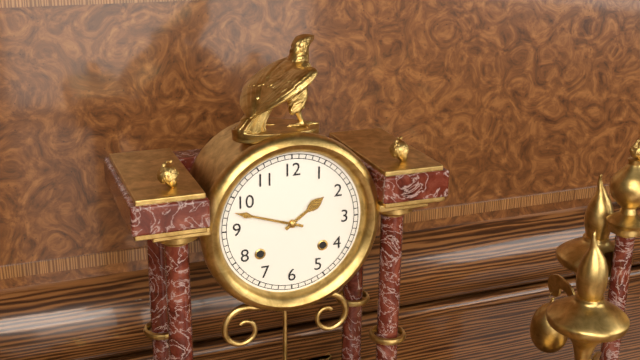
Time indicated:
{"hour": 1, "minute": 48}
